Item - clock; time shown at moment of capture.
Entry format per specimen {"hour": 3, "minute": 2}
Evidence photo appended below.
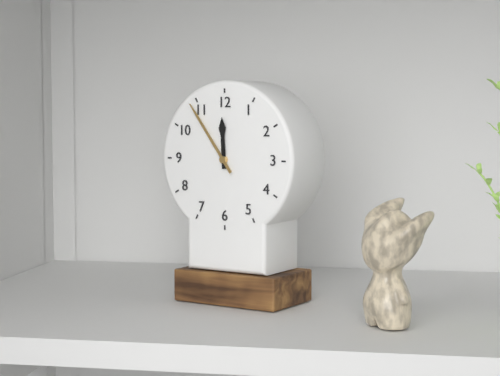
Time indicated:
{"hour": 11, "minute": 54}
